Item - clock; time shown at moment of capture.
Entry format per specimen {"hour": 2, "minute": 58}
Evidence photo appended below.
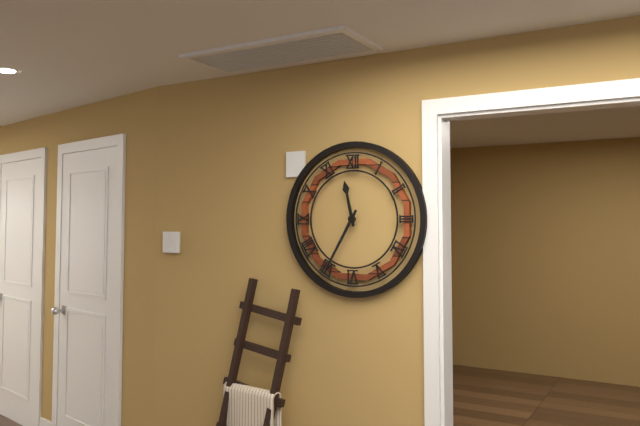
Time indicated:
{"hour": 11, "minute": 35}
